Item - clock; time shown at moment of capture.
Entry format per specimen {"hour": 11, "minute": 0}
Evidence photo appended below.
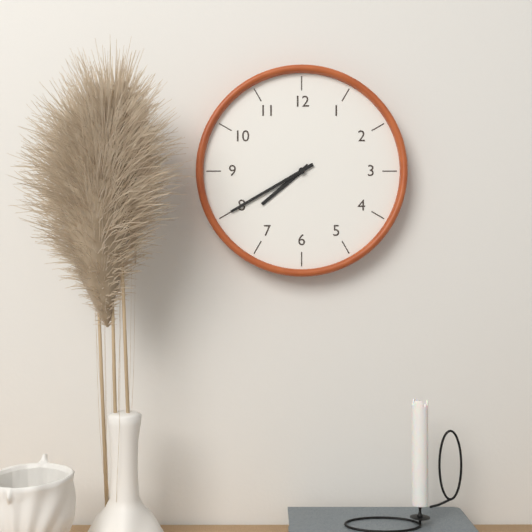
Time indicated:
{"hour": 7, "minute": 40}
